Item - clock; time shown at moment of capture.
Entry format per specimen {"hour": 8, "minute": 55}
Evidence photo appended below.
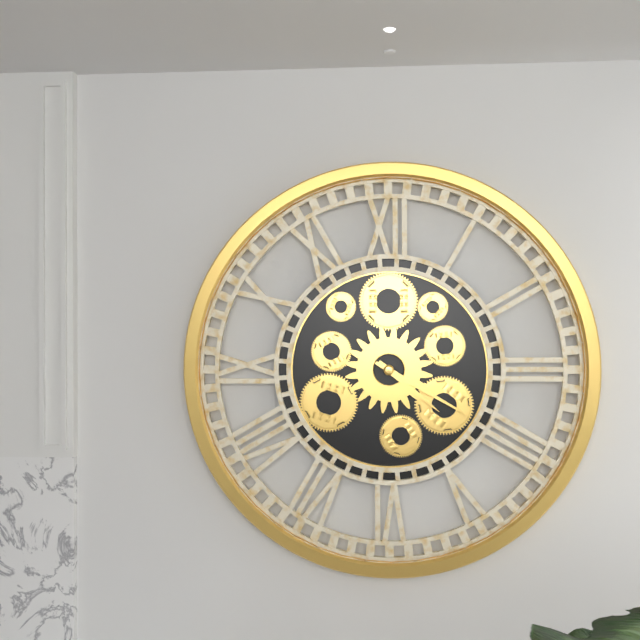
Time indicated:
{"hour": 4, "minute": 20}
